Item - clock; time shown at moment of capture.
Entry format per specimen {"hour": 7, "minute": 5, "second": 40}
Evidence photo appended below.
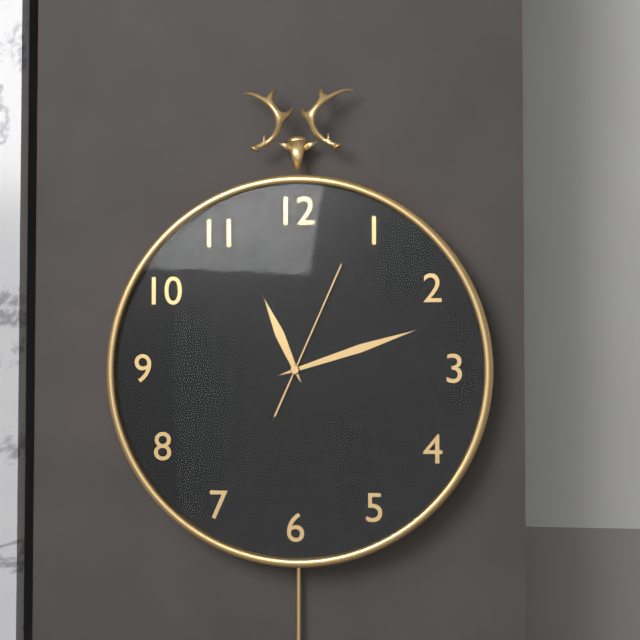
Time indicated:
{"hour": 11, "minute": 12, "second": 4}
